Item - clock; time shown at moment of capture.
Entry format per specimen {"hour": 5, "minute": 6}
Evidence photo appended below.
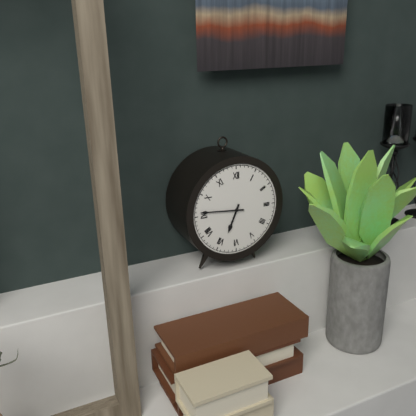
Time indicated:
{"hour": 6, "minute": 46}
